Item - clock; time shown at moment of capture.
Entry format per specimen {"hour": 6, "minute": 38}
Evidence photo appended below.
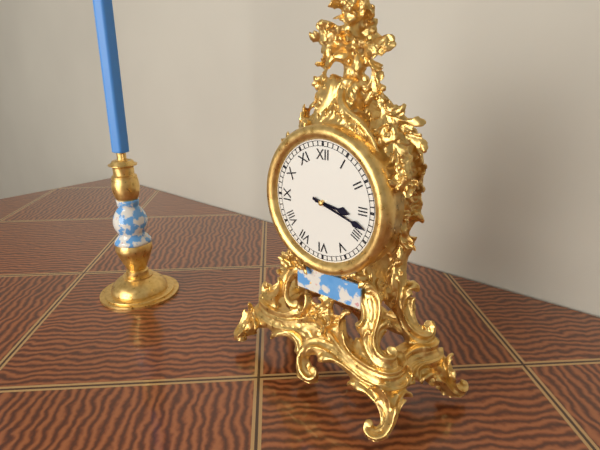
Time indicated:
{"hour": 3, "minute": 18}
